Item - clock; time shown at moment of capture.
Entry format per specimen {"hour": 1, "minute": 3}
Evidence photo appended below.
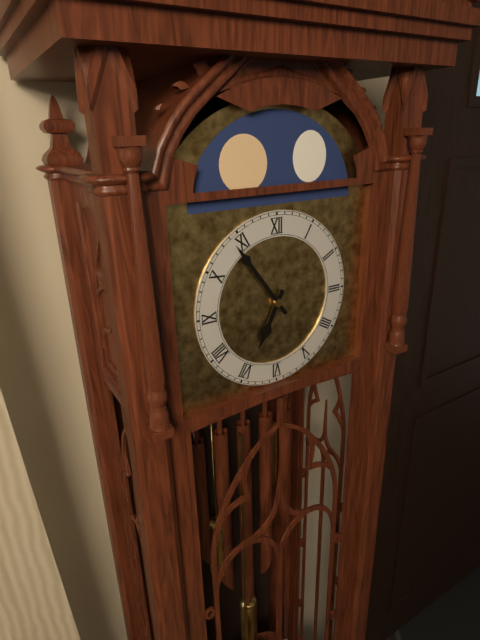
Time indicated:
{"hour": 6, "minute": 54}
